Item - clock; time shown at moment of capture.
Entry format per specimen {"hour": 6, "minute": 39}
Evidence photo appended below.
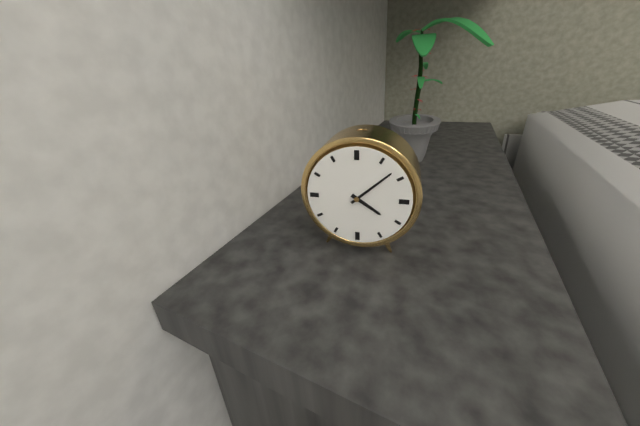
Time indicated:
{"hour": 4, "minute": 8}
